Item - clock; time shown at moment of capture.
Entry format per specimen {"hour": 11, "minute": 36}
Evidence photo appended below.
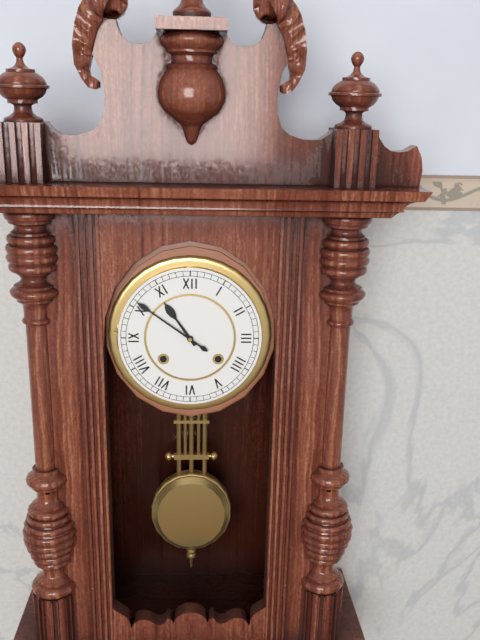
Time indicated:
{"hour": 10, "minute": 51}
